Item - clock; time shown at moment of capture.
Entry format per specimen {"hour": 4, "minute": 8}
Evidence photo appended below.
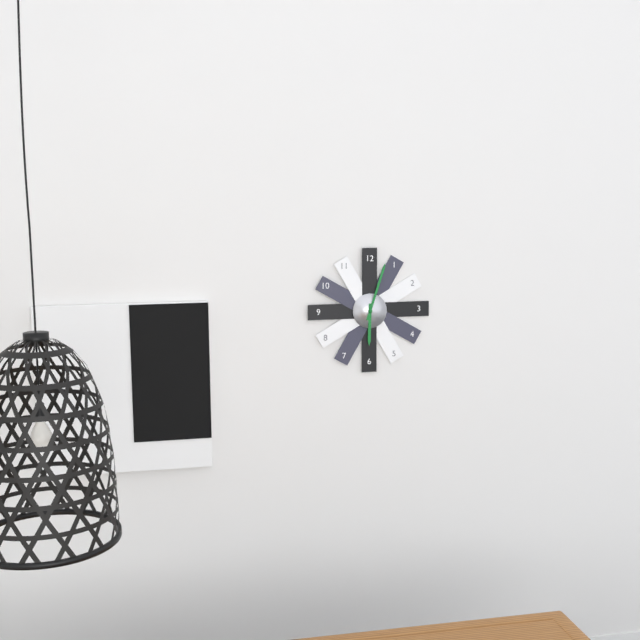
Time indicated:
{"hour": 6, "minute": 3}
